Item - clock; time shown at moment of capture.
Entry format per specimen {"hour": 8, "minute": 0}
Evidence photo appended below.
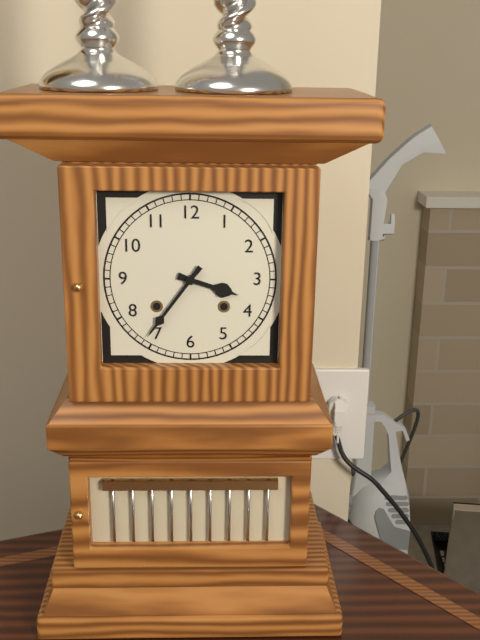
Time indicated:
{"hour": 3, "minute": 36}
